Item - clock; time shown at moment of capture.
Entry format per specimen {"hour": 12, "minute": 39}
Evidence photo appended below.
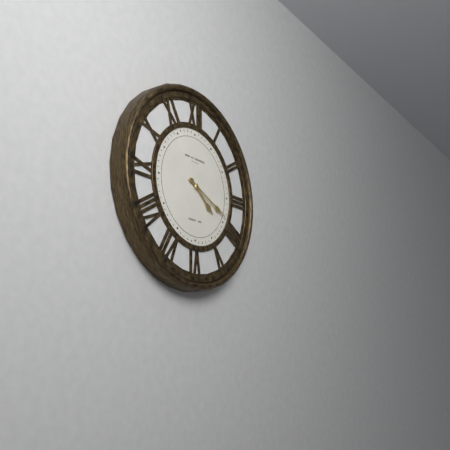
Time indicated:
{"hour": 4, "minute": 19}
